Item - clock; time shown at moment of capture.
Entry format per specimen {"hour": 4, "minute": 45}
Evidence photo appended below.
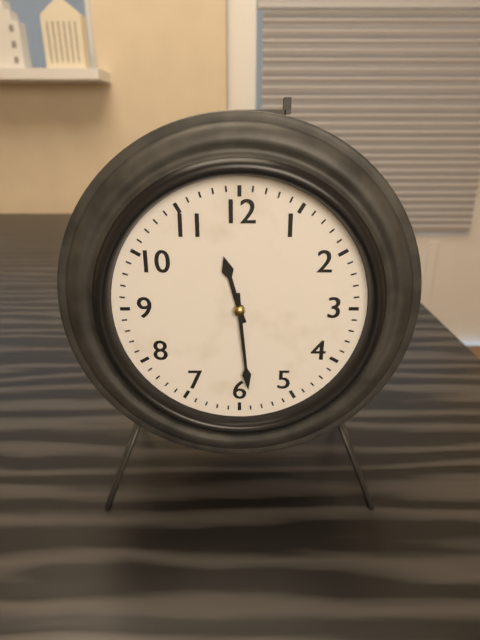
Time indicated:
{"hour": 11, "minute": 29}
